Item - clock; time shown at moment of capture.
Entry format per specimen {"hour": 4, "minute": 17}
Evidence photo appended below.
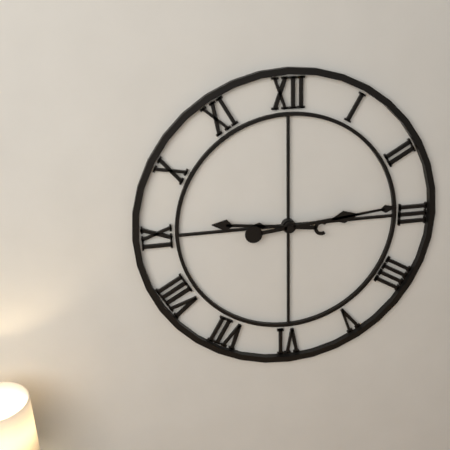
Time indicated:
{"hour": 9, "minute": 14}
